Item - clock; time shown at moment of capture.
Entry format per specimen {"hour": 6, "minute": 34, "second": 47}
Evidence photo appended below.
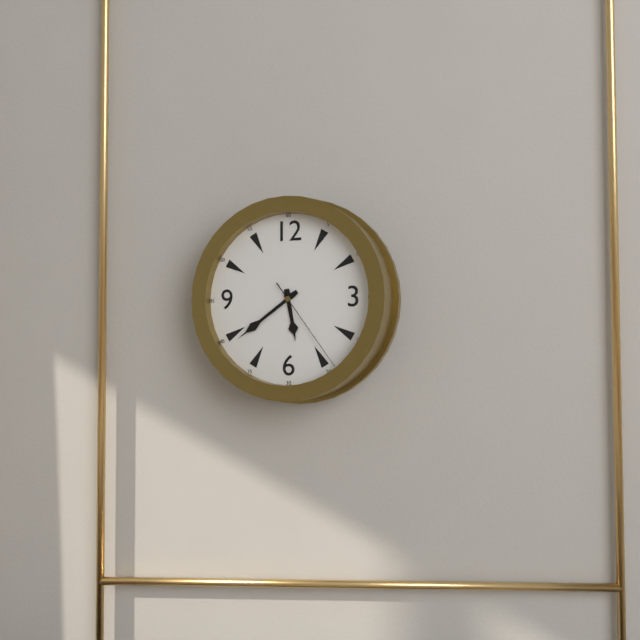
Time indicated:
{"hour": 5, "minute": 39, "second": 24}
